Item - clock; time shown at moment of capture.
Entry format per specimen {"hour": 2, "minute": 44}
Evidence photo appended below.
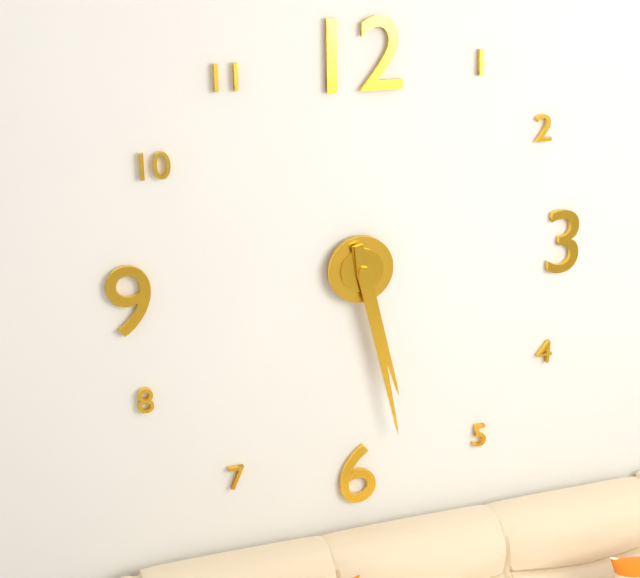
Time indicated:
{"hour": 5, "minute": 28}
